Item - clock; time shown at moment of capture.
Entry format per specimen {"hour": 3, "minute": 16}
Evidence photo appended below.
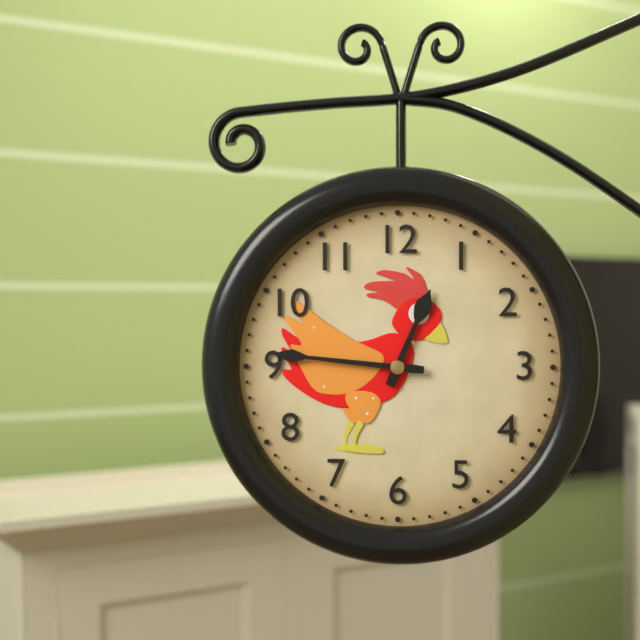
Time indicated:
{"hour": 12, "minute": 46}
